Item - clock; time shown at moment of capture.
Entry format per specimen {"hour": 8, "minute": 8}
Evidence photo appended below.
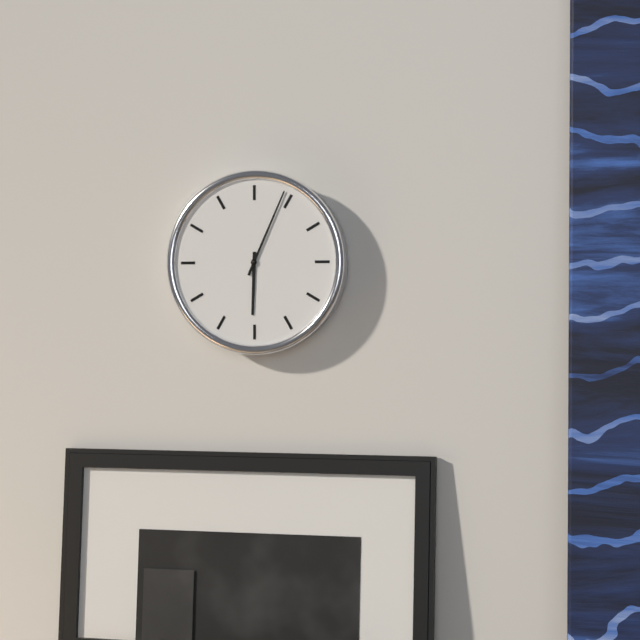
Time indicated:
{"hour": 6, "minute": 4}
